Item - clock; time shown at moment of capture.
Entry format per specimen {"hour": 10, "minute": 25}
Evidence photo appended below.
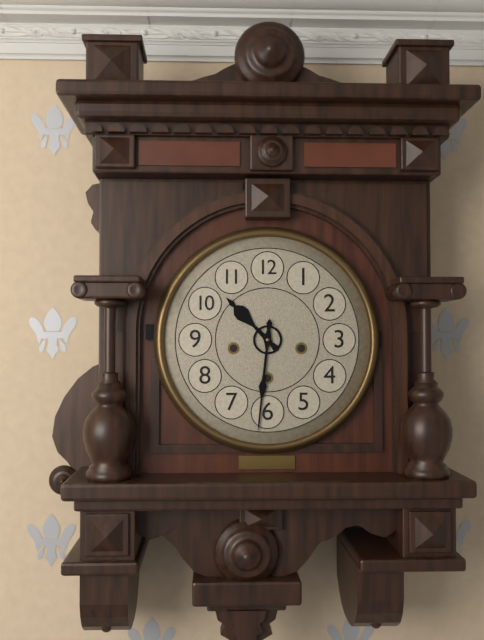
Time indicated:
{"hour": 10, "minute": 31}
